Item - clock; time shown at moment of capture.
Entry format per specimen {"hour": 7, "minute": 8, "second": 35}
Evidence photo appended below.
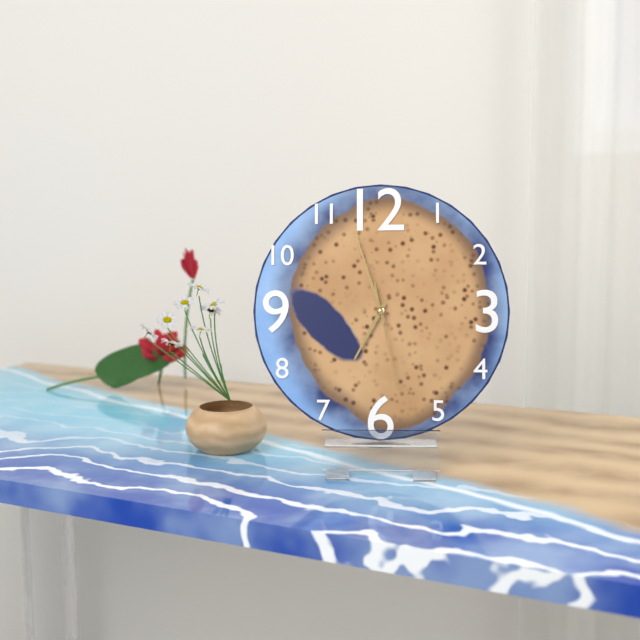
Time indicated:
{"hour": 6, "minute": 57, "second": 28}
